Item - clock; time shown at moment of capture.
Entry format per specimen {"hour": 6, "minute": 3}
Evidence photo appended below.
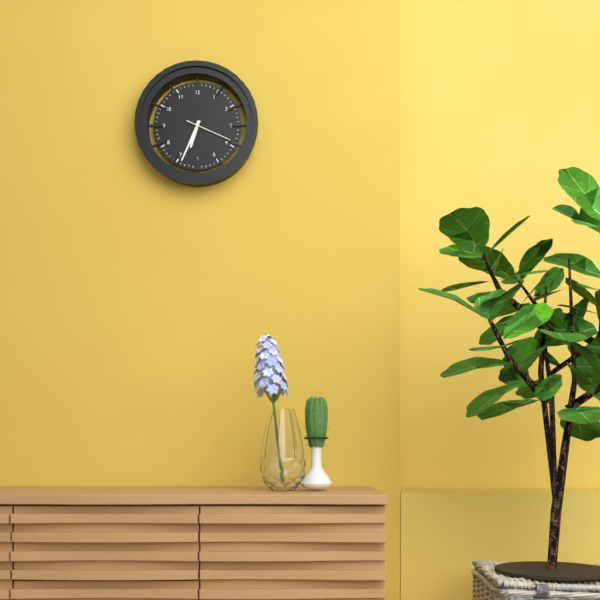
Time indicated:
{"hour": 6, "minute": 34}
